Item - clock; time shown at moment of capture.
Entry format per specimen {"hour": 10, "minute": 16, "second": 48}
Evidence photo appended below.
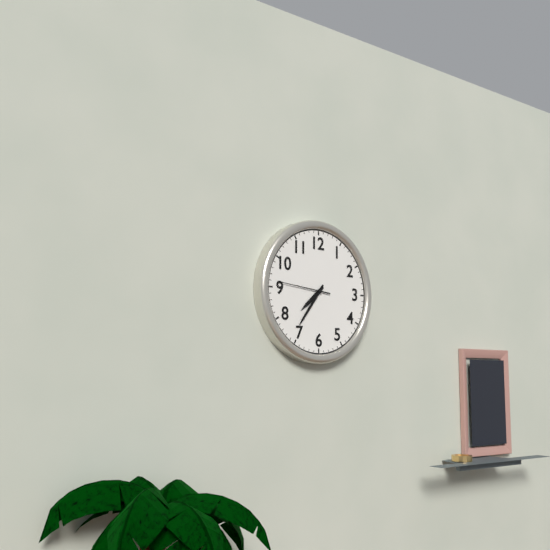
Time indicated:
{"hour": 7, "minute": 36, "second": 46}
